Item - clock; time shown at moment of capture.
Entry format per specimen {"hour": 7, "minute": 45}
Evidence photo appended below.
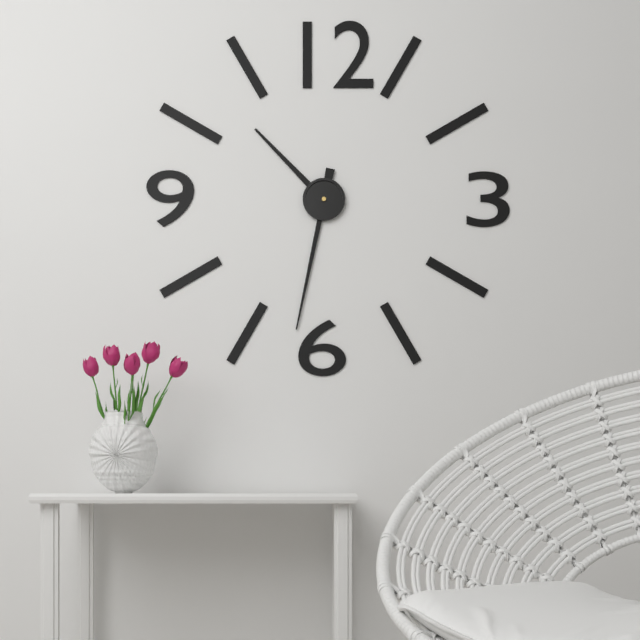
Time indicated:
{"hour": 10, "minute": 32}
